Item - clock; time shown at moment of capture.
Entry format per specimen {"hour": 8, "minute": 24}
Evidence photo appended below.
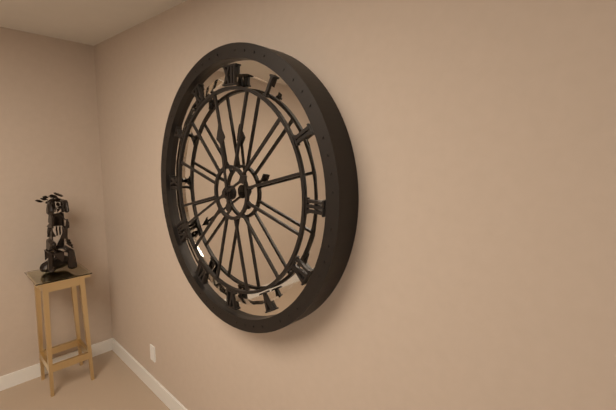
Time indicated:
{"hour": 11, "minute": 40}
